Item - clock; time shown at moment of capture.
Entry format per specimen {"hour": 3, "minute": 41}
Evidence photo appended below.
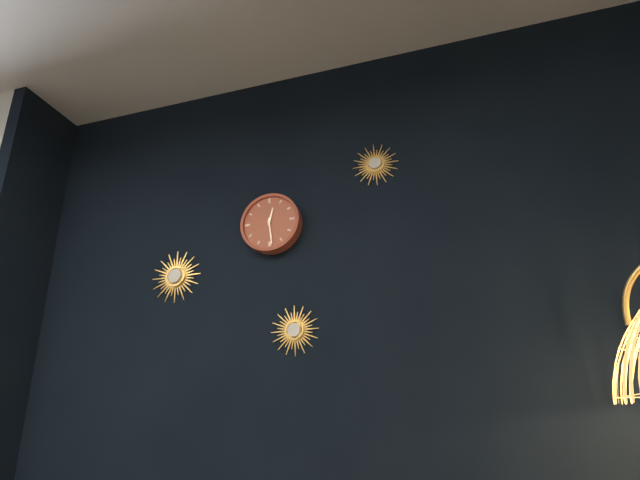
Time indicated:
{"hour": 12, "minute": 29}
